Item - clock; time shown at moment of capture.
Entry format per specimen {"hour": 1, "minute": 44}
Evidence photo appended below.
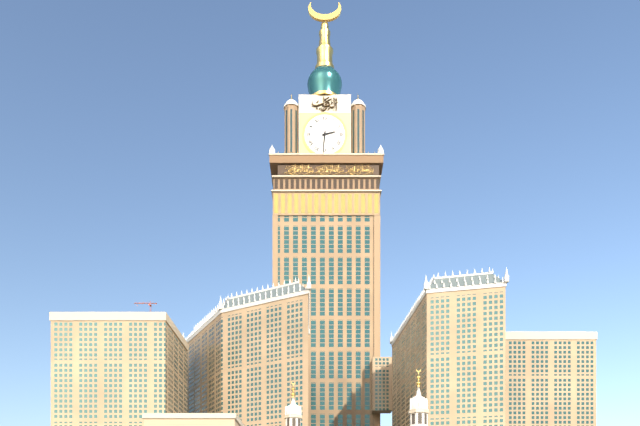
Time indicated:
{"hour": 2, "minute": 31}
